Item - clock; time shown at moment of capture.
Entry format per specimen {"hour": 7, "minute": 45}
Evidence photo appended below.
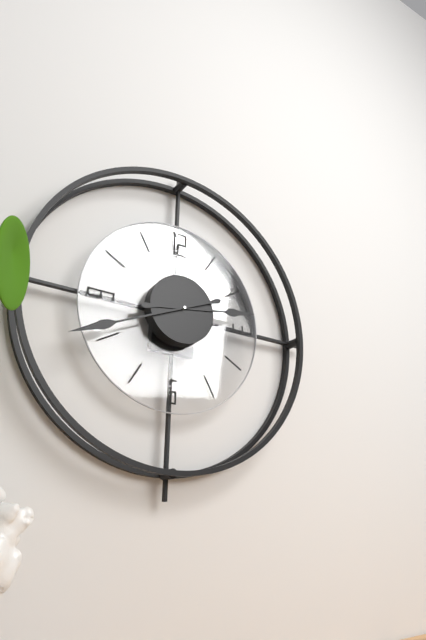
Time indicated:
{"hour": 2, "minute": 41}
